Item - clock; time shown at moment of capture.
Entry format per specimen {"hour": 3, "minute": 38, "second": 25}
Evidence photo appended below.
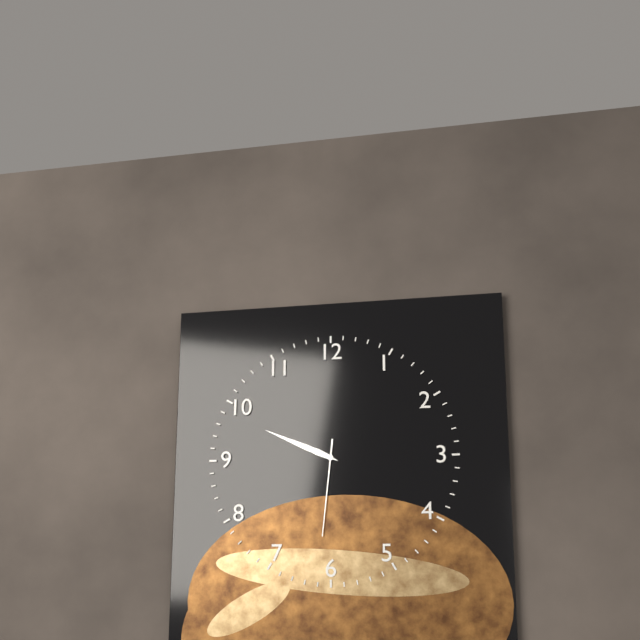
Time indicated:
{"hour": 9, "minute": 49, "second": 31}
